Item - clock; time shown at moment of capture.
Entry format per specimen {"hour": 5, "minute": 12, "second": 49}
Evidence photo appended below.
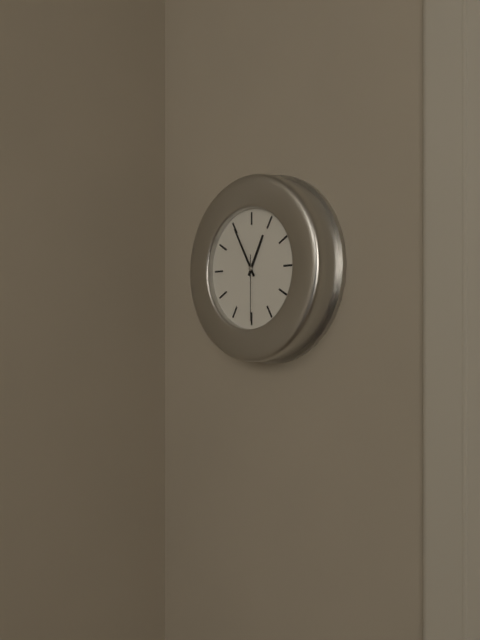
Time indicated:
{"hour": 12, "minute": 55, "second": 30}
